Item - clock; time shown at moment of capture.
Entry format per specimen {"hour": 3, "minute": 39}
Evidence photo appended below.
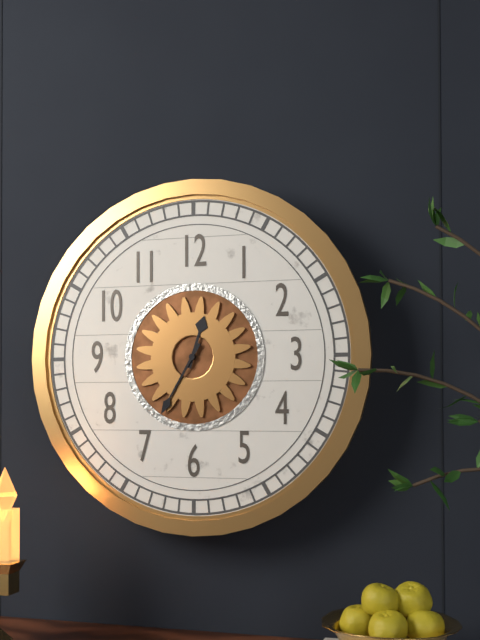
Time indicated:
{"hour": 12, "minute": 35}
